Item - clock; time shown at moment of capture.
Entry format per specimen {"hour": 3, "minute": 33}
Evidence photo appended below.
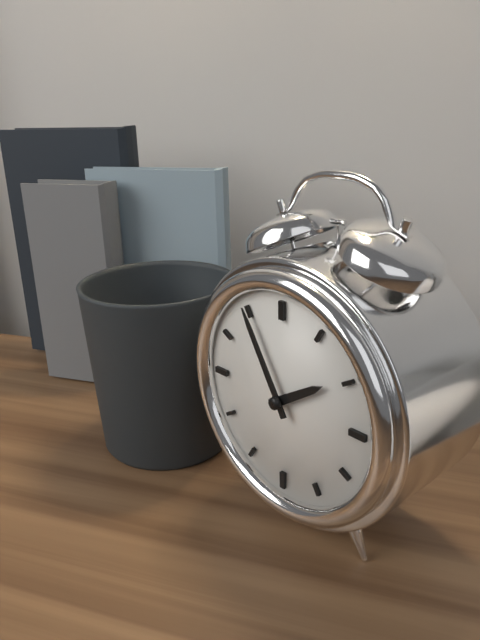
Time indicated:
{"hour": 1, "minute": 55}
